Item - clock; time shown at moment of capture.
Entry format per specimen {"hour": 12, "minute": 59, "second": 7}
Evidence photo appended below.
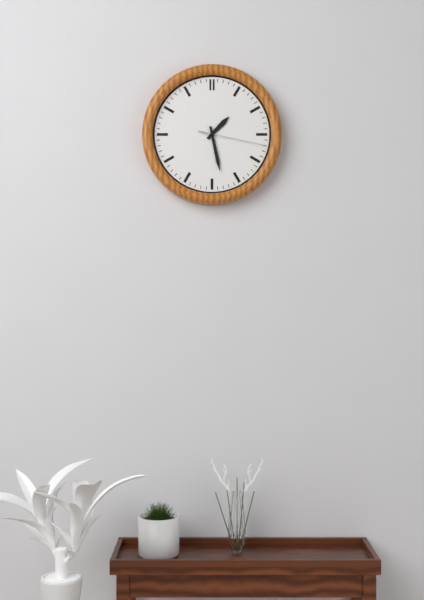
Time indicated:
{"hour": 1, "minute": 28, "second": 17}
